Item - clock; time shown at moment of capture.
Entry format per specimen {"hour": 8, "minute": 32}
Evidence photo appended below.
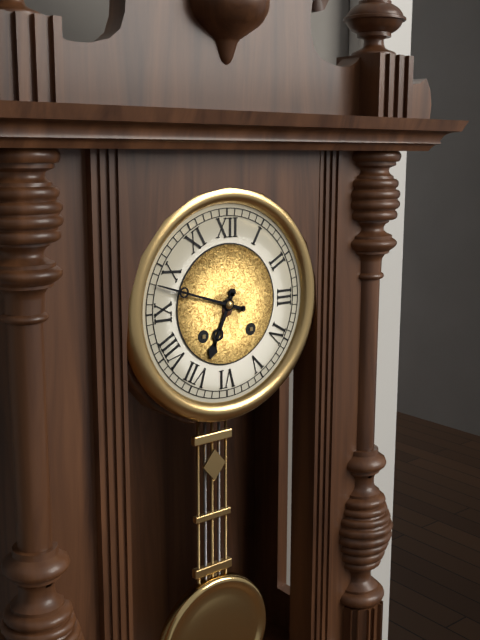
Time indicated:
{"hour": 6, "minute": 48}
